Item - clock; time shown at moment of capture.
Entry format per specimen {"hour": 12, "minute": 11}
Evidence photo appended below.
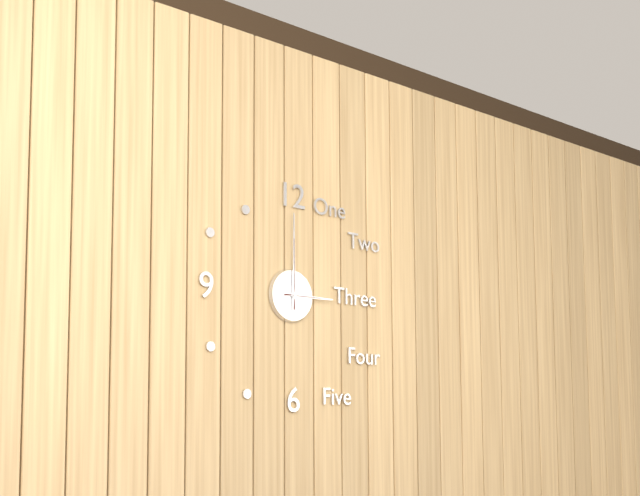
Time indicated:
{"hour": 3, "minute": 0}
